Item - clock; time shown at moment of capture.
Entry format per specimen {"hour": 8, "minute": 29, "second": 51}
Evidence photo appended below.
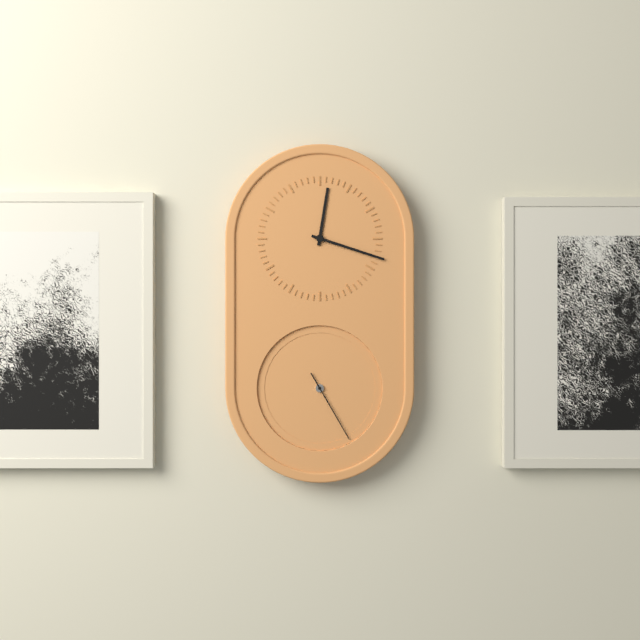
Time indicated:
{"hour": 12, "minute": 18, "second": 25}
